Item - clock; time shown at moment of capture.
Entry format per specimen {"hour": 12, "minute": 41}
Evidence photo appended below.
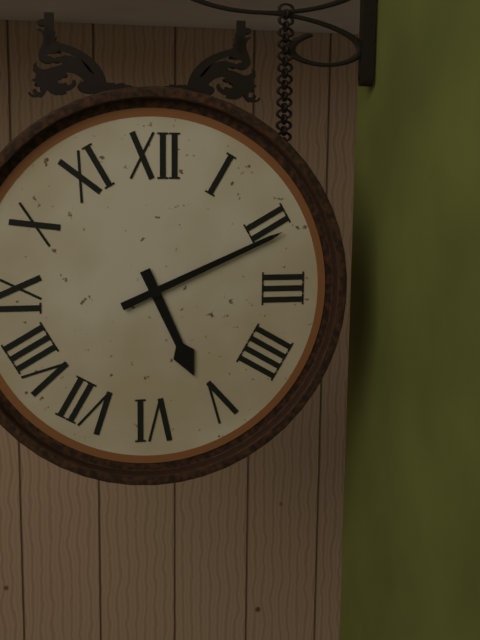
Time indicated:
{"hour": 5, "minute": 11}
